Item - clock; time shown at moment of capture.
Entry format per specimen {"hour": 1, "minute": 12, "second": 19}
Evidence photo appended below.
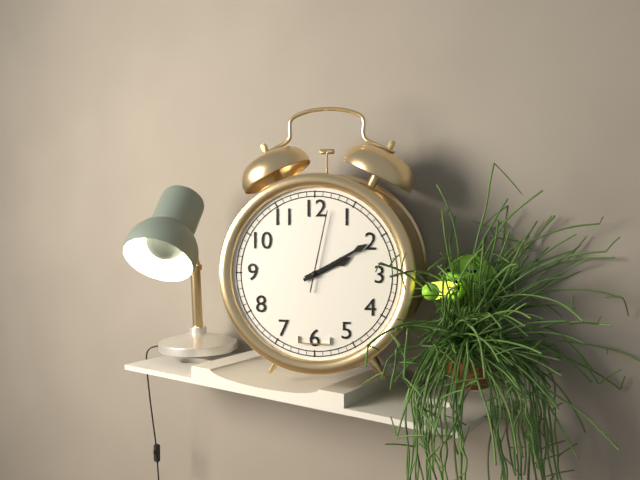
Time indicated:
{"hour": 2, "minute": 10, "second": 2}
